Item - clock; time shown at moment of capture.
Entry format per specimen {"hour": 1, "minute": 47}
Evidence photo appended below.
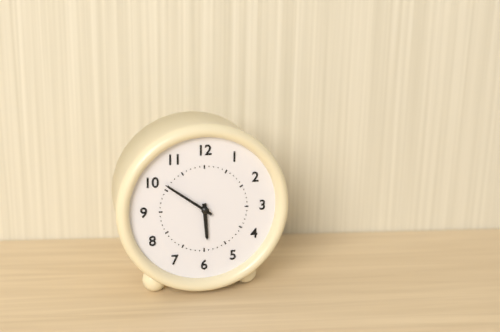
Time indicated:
{"hour": 5, "minute": 51}
